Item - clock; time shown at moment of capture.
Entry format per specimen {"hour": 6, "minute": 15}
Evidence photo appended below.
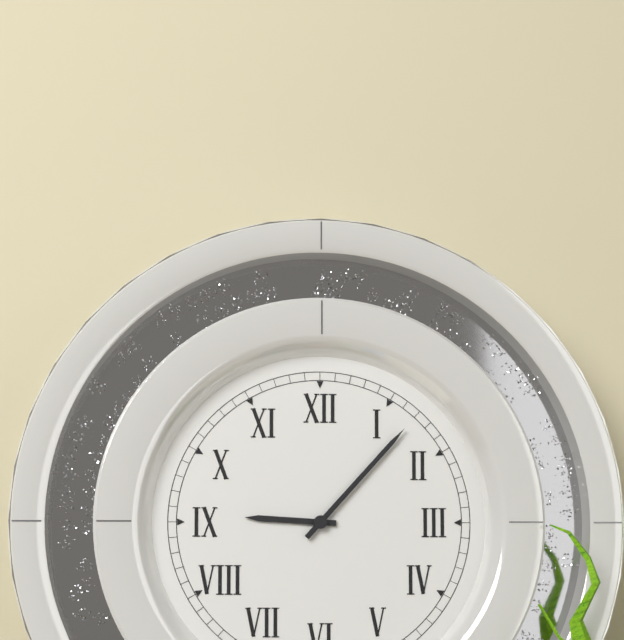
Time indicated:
{"hour": 9, "minute": 7}
